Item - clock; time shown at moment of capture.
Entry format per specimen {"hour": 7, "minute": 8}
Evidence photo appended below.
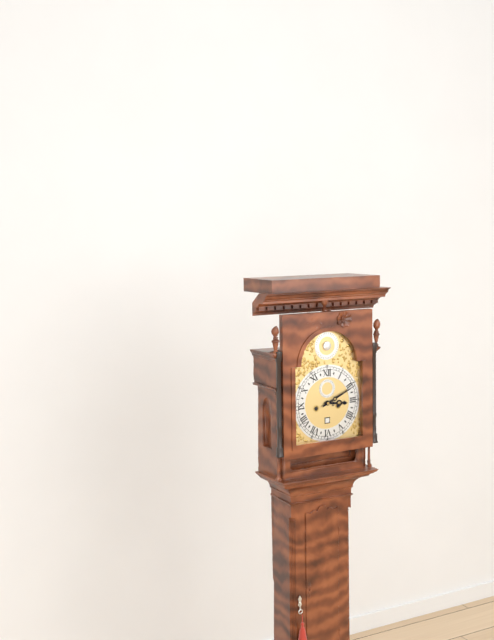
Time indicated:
{"hour": 3, "minute": 11}
